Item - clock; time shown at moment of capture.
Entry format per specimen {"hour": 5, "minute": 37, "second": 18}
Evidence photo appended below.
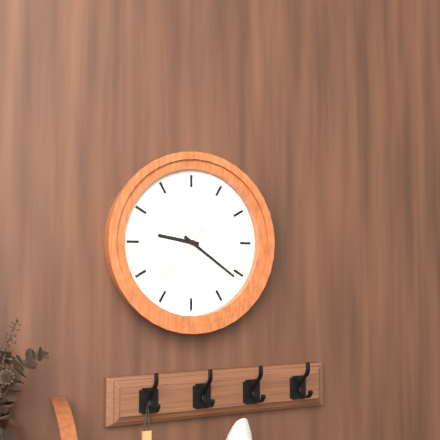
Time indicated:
{"hour": 9, "minute": 21, "second": 37}
